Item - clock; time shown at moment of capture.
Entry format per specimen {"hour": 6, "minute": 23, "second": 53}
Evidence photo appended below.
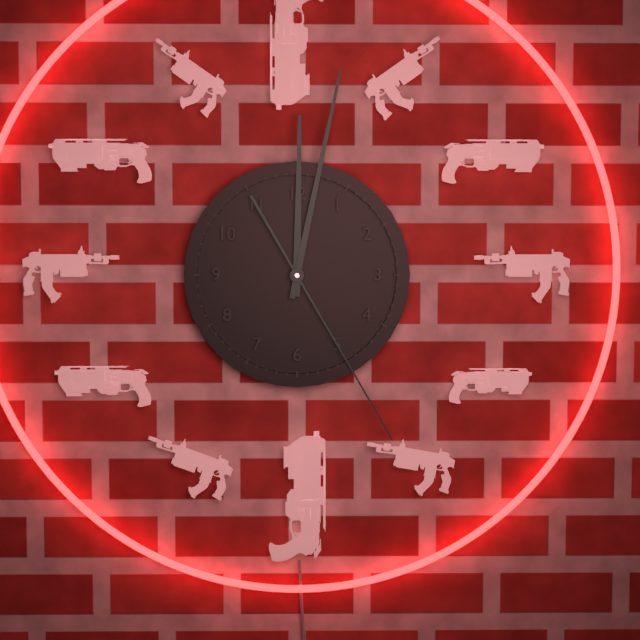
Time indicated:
{"hour": 12, "minute": 2, "second": 25}
